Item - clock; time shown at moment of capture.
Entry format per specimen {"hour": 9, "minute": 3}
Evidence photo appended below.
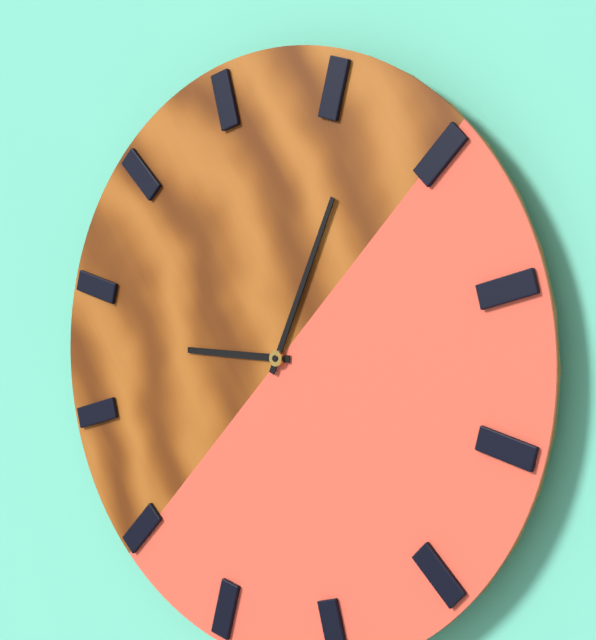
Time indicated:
{"hour": 9, "minute": 4}
